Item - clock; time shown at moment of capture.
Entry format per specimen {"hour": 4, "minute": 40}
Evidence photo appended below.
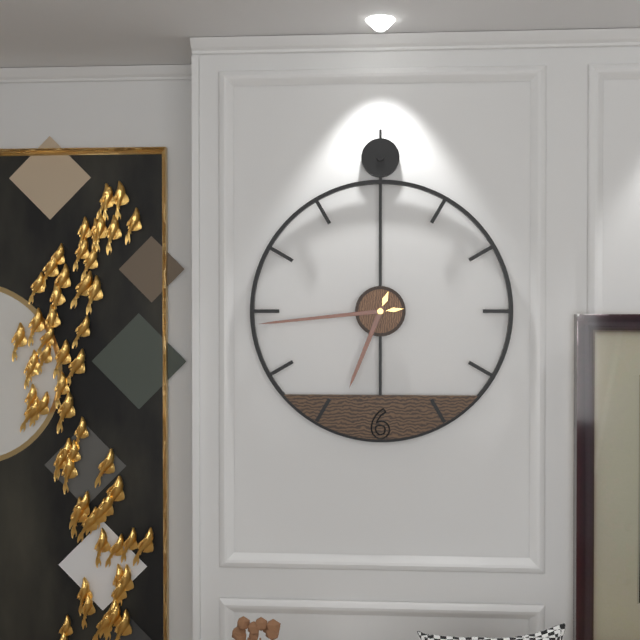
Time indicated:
{"hour": 6, "minute": 44}
